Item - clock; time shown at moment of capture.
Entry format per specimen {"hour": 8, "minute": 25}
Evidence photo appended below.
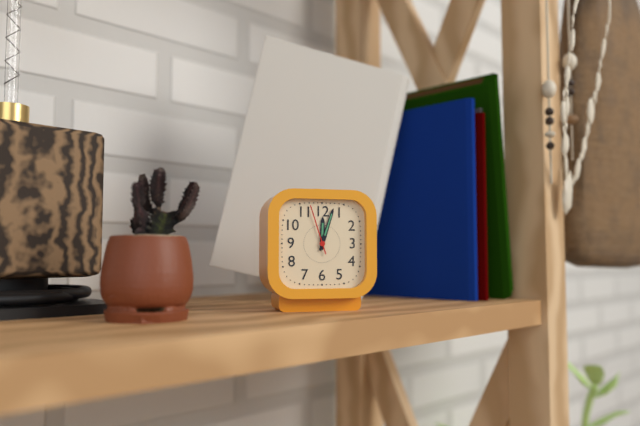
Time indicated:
{"hour": 12, "minute": 3}
